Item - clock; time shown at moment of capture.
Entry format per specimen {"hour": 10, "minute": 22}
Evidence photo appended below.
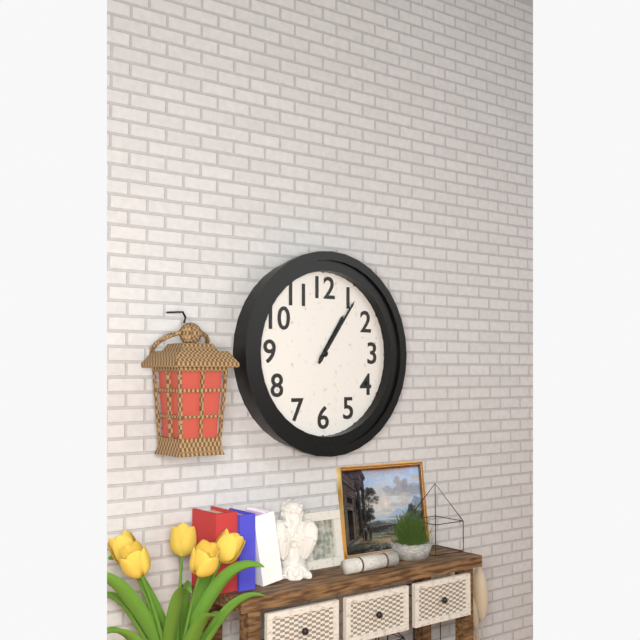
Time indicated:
{"hour": 1, "minute": 6}
